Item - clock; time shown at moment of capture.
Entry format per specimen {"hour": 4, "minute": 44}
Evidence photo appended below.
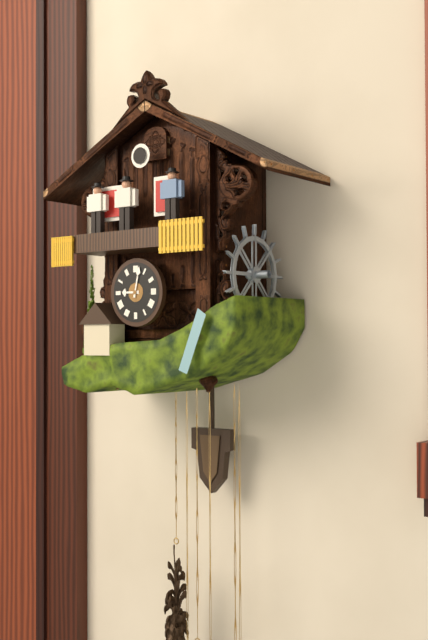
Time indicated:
{"hour": 9, "minute": 2}
